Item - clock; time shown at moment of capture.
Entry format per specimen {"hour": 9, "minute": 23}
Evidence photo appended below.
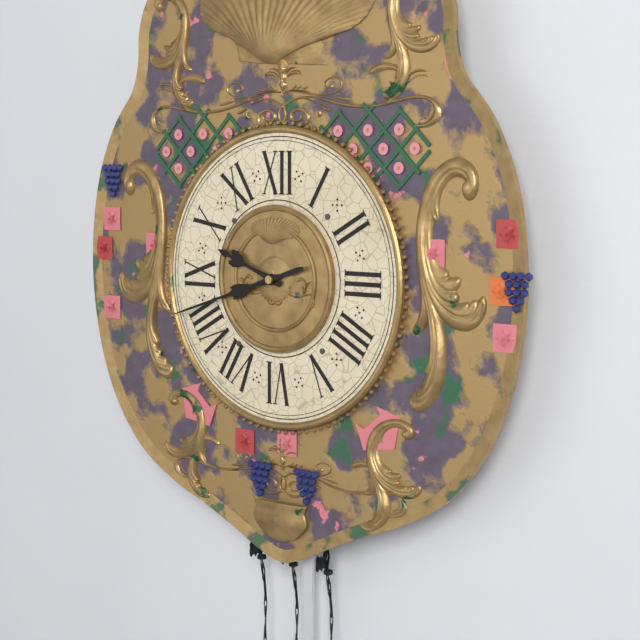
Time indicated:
{"hour": 9, "minute": 42}
